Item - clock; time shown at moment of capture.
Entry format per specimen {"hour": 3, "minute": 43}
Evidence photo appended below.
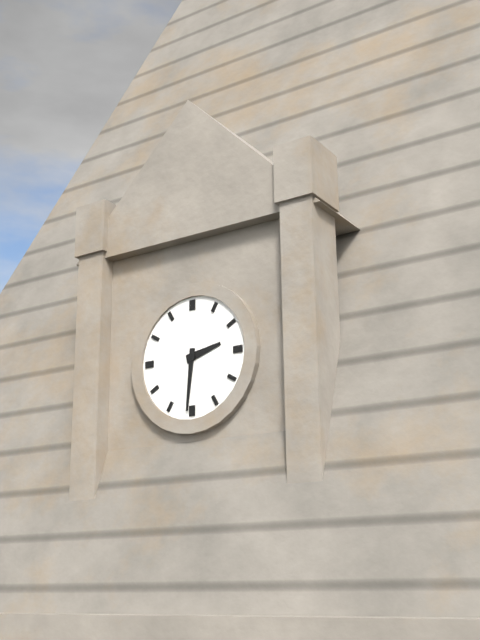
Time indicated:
{"hour": 2, "minute": 31}
